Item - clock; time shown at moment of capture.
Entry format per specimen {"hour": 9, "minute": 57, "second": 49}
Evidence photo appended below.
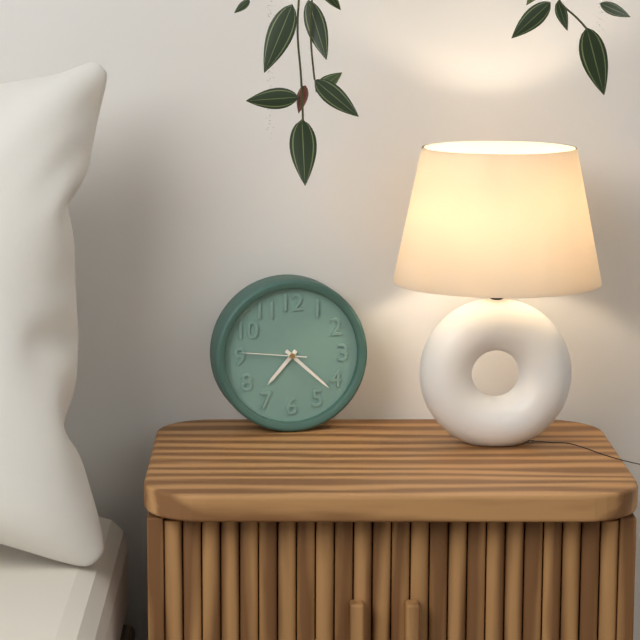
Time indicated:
{"hour": 7, "minute": 22, "second": 46}
